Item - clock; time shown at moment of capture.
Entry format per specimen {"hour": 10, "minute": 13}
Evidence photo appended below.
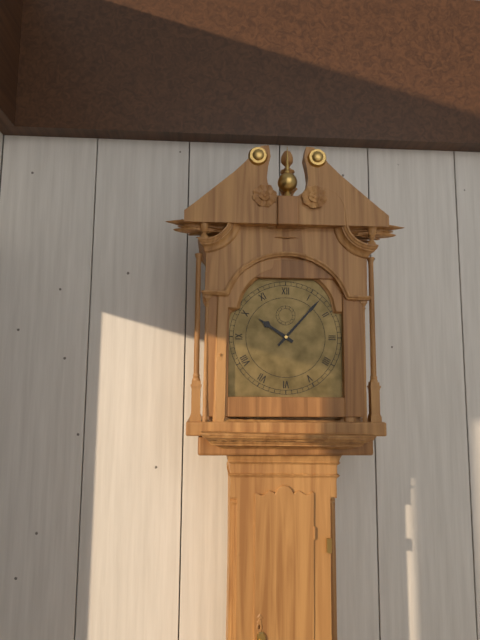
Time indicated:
{"hour": 10, "minute": 7}
